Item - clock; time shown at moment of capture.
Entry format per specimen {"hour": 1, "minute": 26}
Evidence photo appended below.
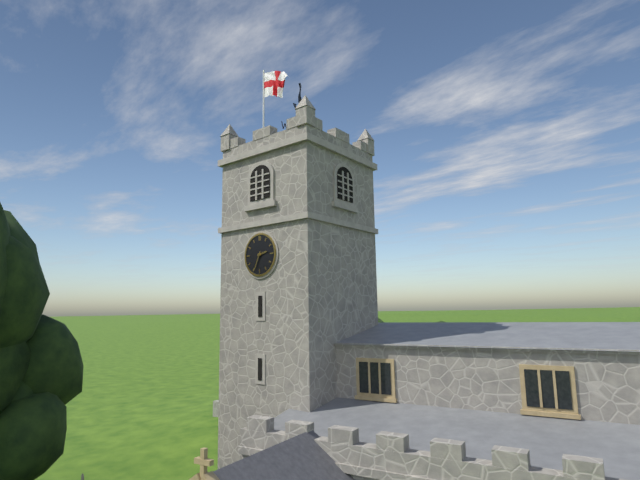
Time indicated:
{"hour": 2, "minute": 34}
